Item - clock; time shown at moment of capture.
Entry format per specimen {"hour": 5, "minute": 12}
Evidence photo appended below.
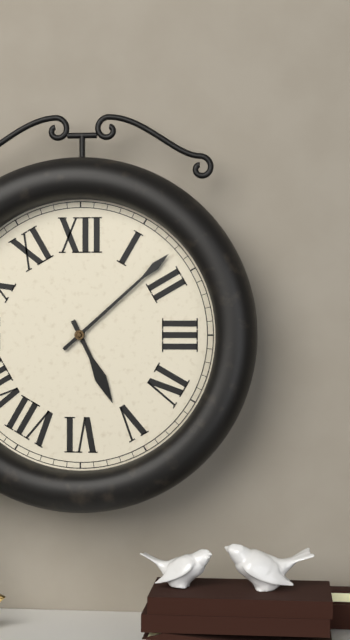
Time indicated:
{"hour": 5, "minute": 8}
